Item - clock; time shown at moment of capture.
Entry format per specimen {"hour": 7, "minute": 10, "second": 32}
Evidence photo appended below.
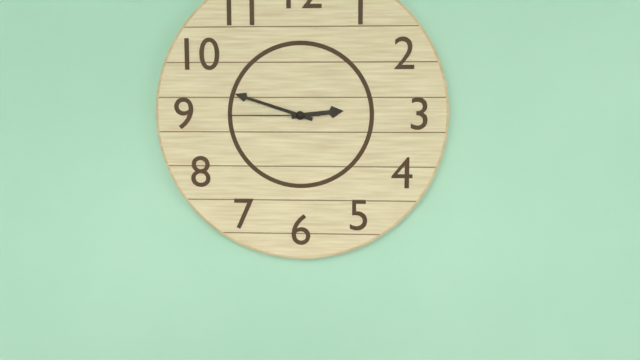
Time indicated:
{"hour": 2, "minute": 48, "second": 45}
